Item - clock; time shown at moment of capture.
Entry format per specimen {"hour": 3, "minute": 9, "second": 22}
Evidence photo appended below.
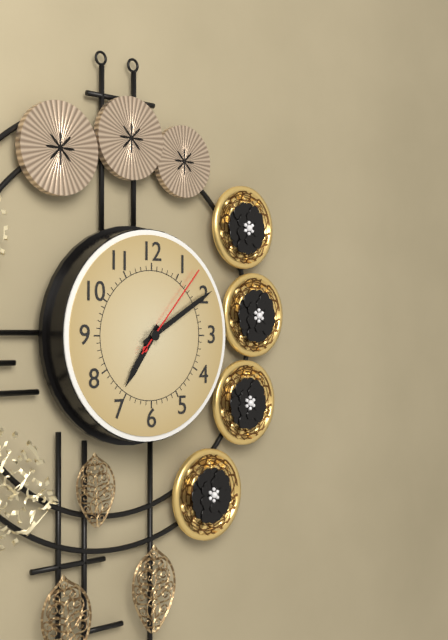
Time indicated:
{"hour": 7, "minute": 10, "second": 7}
